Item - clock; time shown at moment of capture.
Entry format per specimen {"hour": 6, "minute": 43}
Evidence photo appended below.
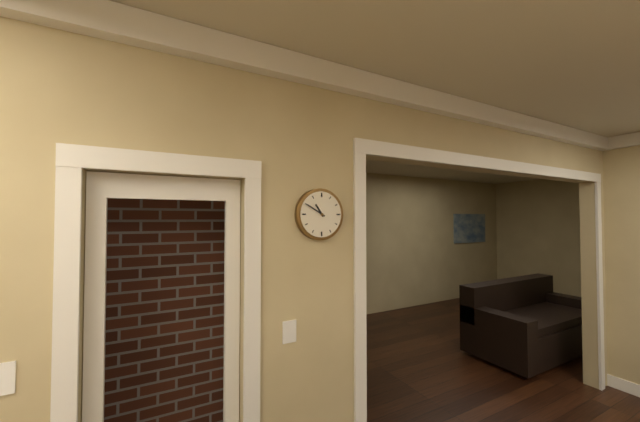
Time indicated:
{"hour": 10, "minute": 50}
